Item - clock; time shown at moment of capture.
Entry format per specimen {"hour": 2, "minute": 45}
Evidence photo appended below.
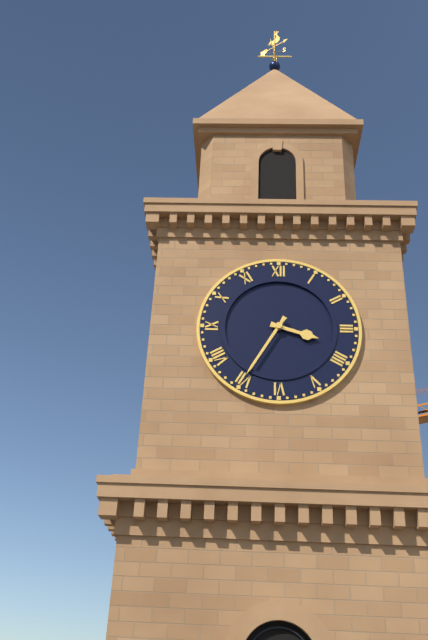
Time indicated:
{"hour": 3, "minute": 35}
